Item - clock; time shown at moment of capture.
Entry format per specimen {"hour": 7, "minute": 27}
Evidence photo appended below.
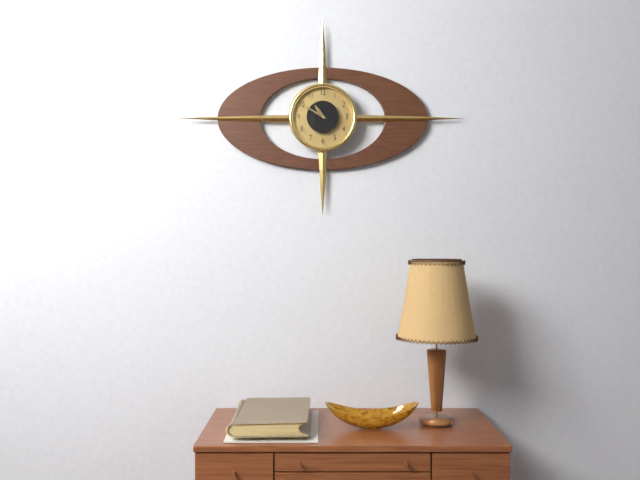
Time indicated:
{"hour": 10, "minute": 50}
